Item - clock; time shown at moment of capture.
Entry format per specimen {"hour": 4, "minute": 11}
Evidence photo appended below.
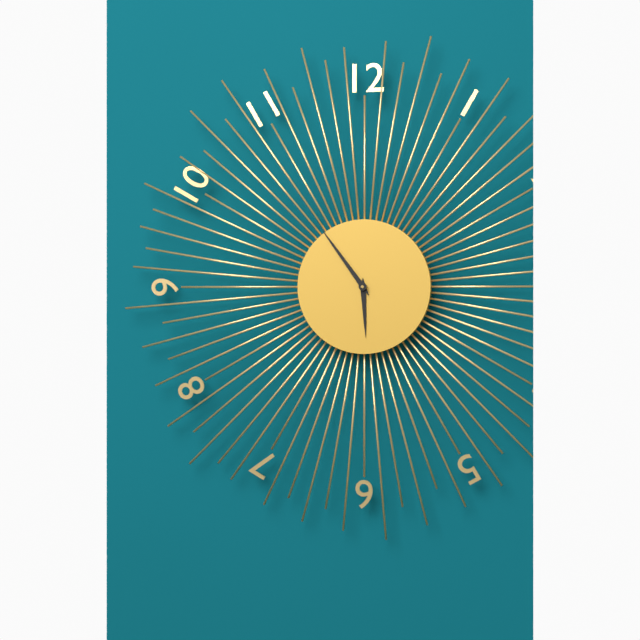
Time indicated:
{"hour": 5, "minute": 54}
